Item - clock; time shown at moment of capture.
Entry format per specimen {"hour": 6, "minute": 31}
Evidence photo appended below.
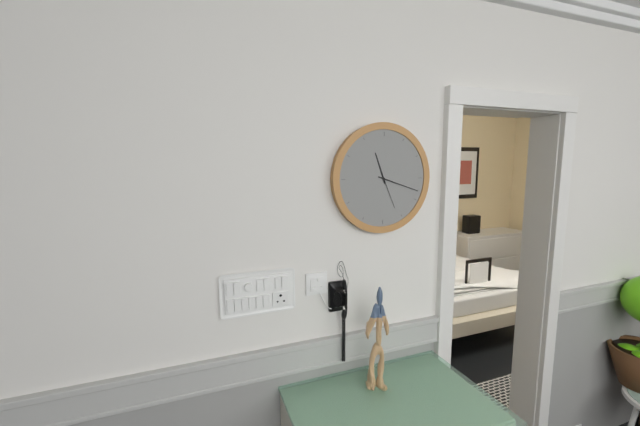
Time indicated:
{"hour": 11, "minute": 18}
